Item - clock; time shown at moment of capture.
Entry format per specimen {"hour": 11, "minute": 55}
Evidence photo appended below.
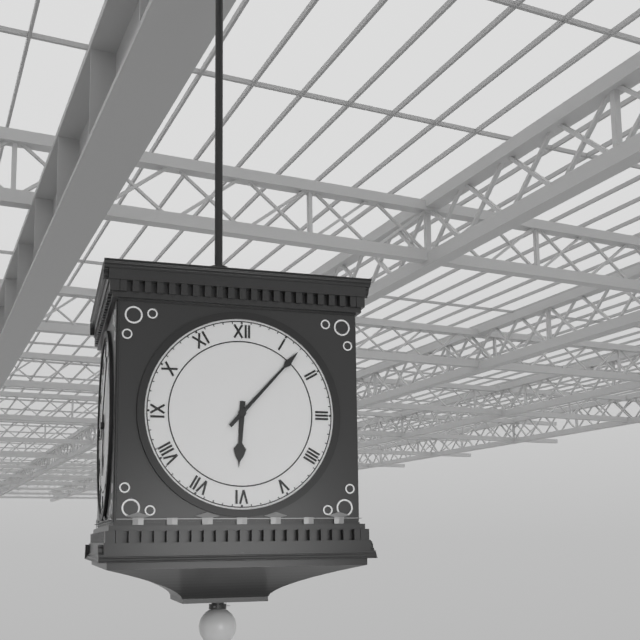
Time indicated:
{"hour": 6, "minute": 7}
